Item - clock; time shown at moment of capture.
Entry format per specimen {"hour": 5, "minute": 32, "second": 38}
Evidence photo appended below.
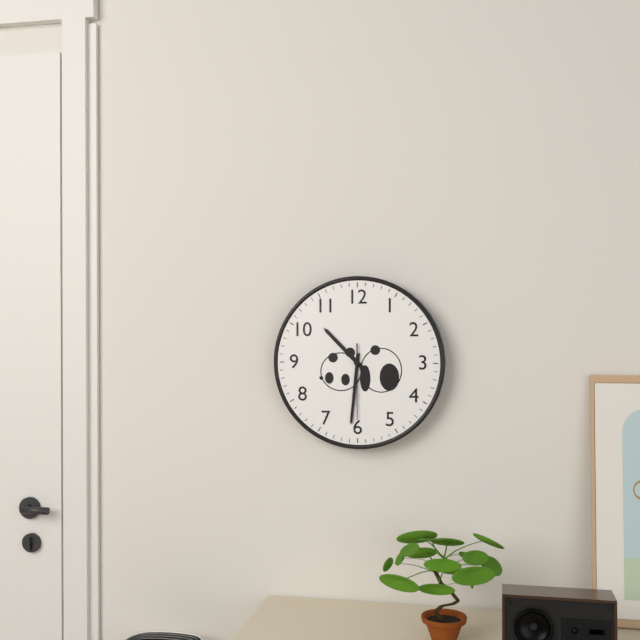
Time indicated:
{"hour": 10, "minute": 31, "second": 30}
